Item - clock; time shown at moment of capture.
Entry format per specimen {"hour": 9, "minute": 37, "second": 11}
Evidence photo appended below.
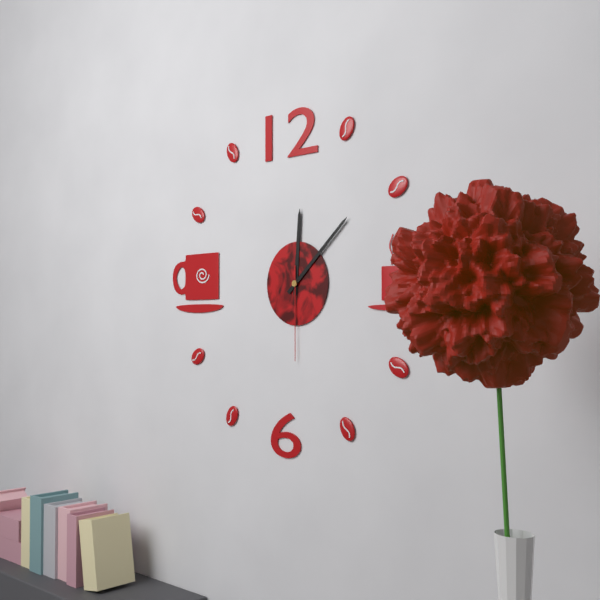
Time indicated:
{"hour": 12, "minute": 8, "second": 30}
